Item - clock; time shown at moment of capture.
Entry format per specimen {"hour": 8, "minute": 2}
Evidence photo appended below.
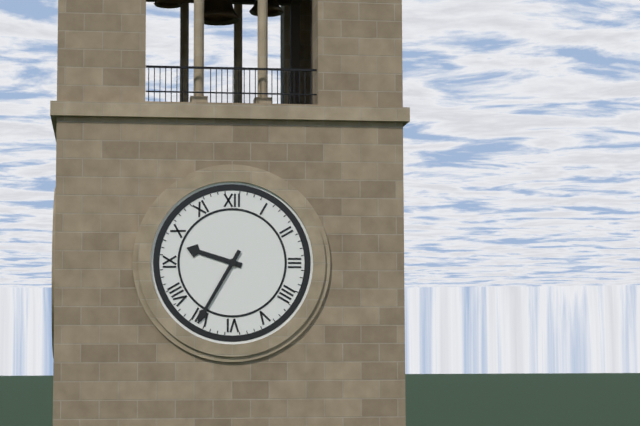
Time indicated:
{"hour": 9, "minute": 35}
